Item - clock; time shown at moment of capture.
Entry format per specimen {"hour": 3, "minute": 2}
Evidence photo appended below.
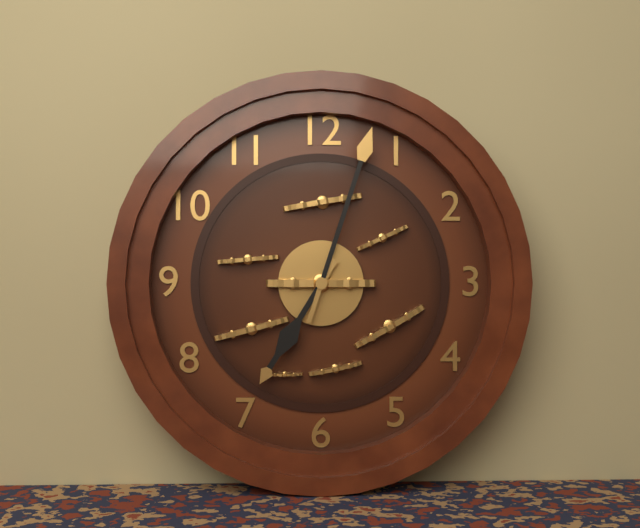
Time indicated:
{"hour": 7, "minute": 3}
